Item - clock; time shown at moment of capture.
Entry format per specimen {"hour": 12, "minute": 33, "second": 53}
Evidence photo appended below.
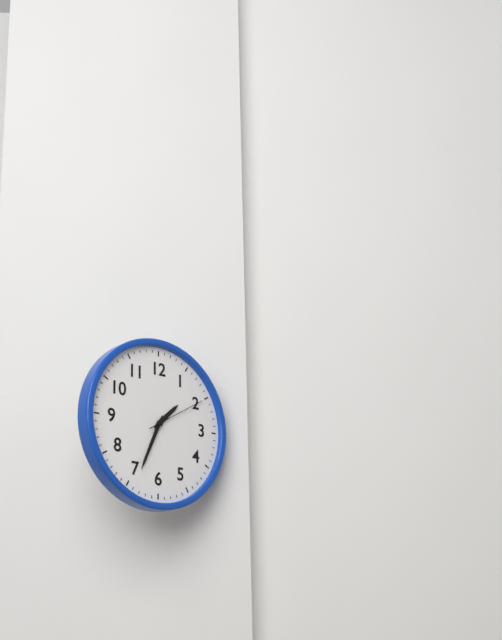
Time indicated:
{"hour": 1, "minute": 34, "second": 10}
